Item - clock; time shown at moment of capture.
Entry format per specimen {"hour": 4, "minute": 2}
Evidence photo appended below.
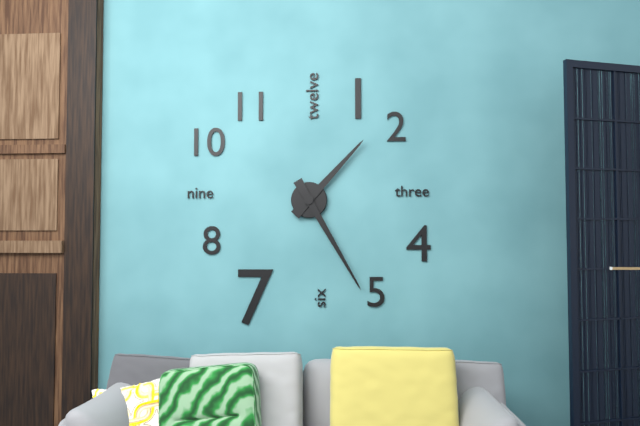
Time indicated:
{"hour": 1, "minute": 25}
